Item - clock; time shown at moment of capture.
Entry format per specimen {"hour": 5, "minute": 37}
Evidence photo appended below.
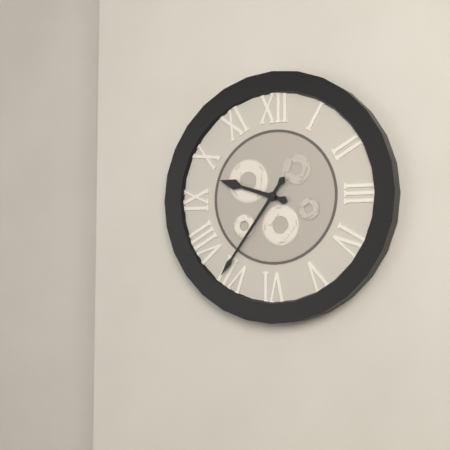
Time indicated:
{"hour": 9, "minute": 36}
